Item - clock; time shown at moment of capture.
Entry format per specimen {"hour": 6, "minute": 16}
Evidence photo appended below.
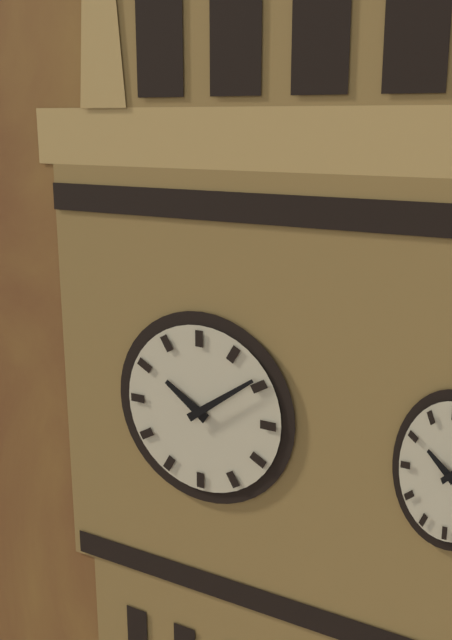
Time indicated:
{"hour": 10, "minute": 9}
